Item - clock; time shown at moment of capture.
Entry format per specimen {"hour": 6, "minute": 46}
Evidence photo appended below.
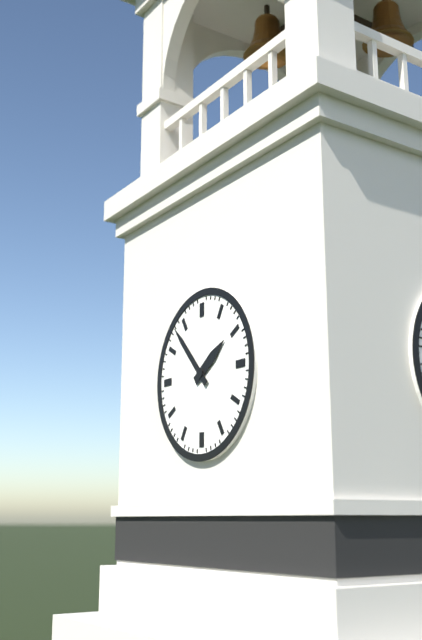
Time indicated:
{"hour": 1, "minute": 53}
